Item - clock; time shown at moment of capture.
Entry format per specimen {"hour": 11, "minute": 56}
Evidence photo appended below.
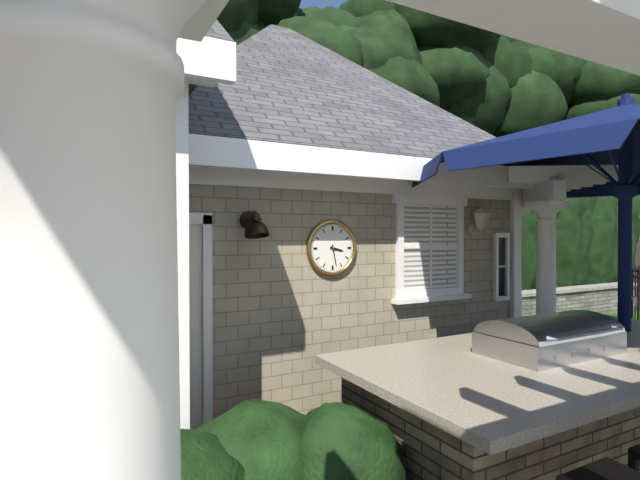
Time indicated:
{"hour": 3, "minute": 28}
